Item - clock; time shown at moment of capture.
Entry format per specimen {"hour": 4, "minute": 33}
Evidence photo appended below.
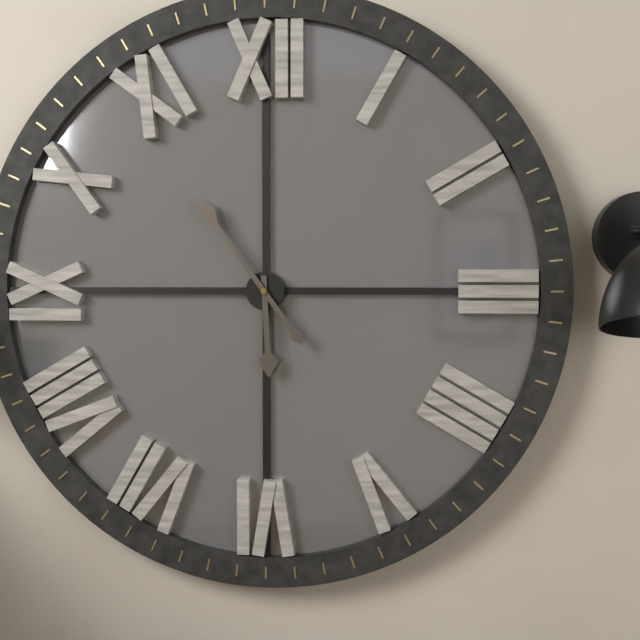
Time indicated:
{"hour": 5, "minute": 54}
